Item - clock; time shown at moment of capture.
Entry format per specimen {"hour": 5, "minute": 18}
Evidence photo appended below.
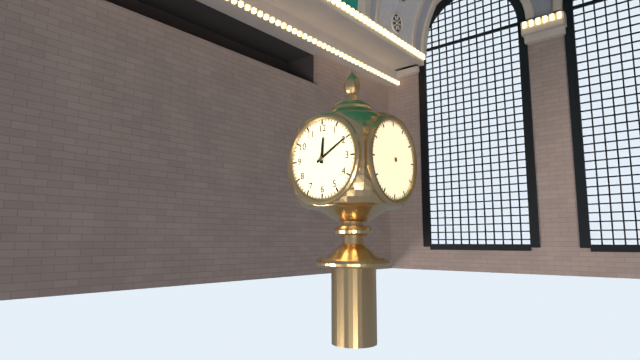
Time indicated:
{"hour": 12, "minute": 10}
